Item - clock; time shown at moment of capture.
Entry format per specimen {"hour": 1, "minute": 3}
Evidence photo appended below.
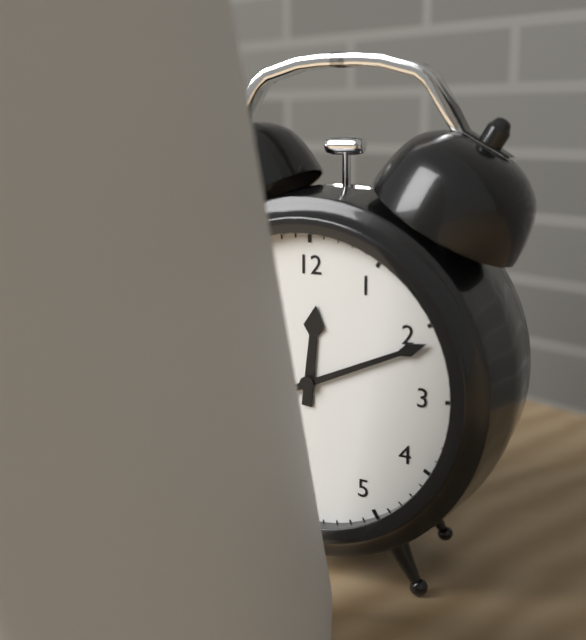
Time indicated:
{"hour": 12, "minute": 11}
